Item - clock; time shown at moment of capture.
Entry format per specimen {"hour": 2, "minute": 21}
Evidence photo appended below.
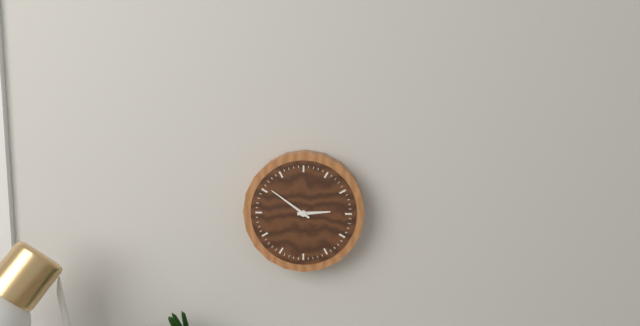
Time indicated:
{"hour": 2, "minute": 51}
